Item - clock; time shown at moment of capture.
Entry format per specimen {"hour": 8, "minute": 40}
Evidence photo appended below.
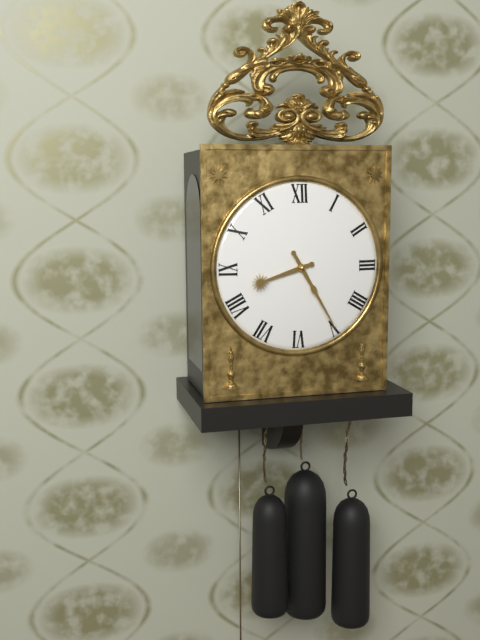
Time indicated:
{"hour": 8, "minute": 25}
